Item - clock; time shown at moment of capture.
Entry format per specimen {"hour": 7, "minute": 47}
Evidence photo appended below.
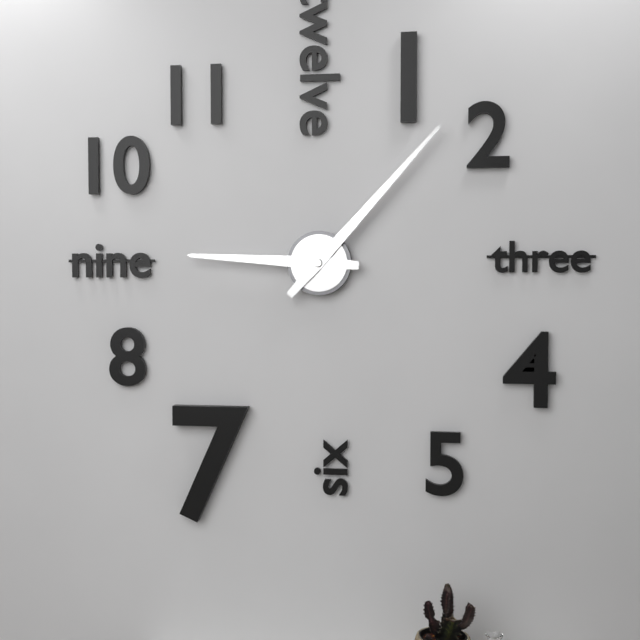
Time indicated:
{"hour": 9, "minute": 7}
